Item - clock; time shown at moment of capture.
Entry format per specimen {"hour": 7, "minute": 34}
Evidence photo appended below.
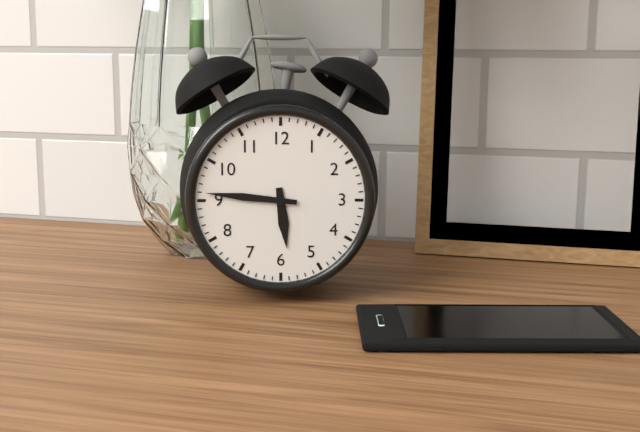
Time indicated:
{"hour": 5, "minute": 46}
